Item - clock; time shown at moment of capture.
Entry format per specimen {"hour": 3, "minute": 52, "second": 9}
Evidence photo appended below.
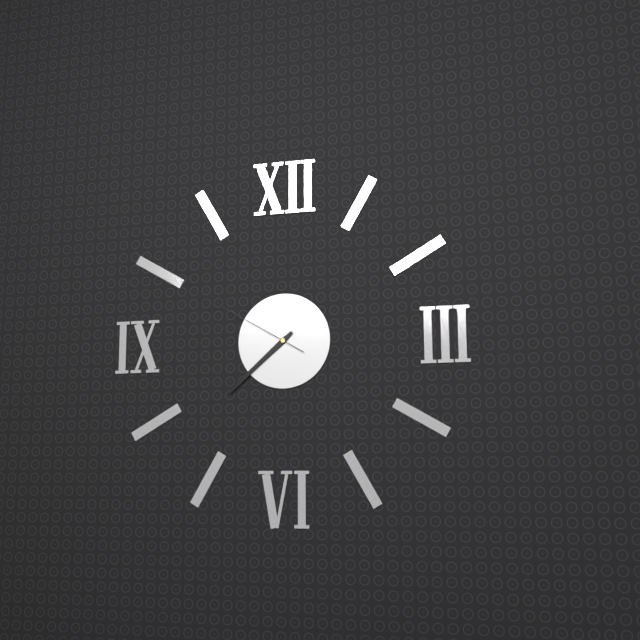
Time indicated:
{"hour": 7, "minute": 38, "second": 50}
